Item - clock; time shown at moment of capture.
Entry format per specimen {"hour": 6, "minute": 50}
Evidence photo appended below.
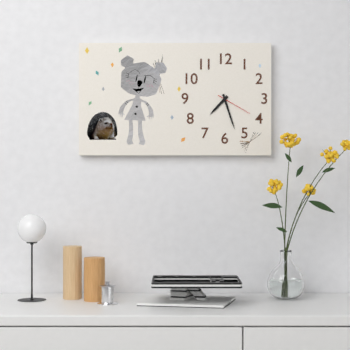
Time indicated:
{"hour": 7, "minute": 27}
